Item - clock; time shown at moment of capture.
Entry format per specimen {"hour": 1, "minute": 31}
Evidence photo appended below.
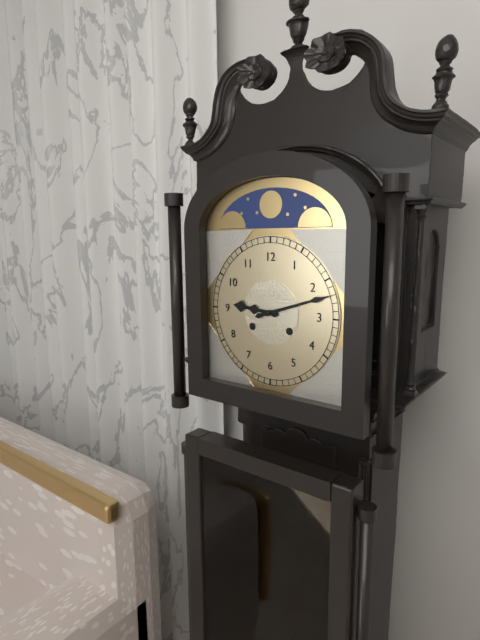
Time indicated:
{"hour": 9, "minute": 12}
